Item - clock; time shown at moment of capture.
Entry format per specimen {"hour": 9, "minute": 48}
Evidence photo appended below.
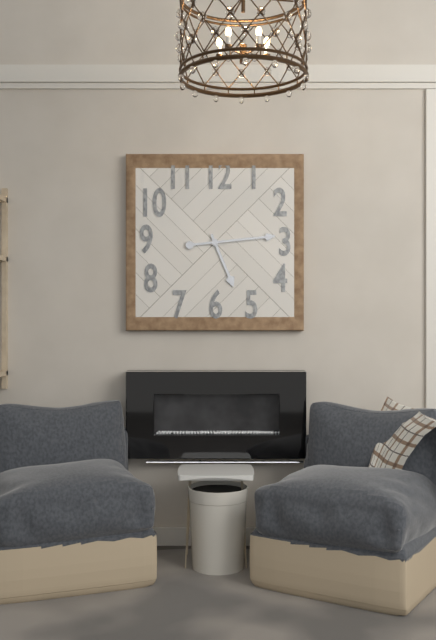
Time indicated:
{"hour": 5, "minute": 14}
